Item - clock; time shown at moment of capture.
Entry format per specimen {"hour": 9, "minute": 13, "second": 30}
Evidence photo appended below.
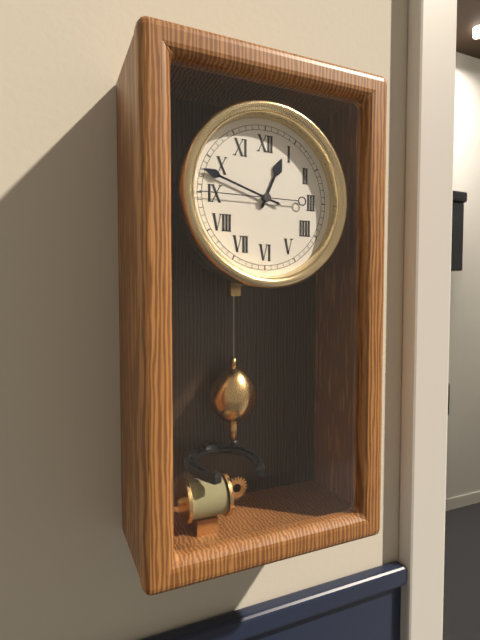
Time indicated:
{"hour": 12, "minute": 48, "second": 45}
